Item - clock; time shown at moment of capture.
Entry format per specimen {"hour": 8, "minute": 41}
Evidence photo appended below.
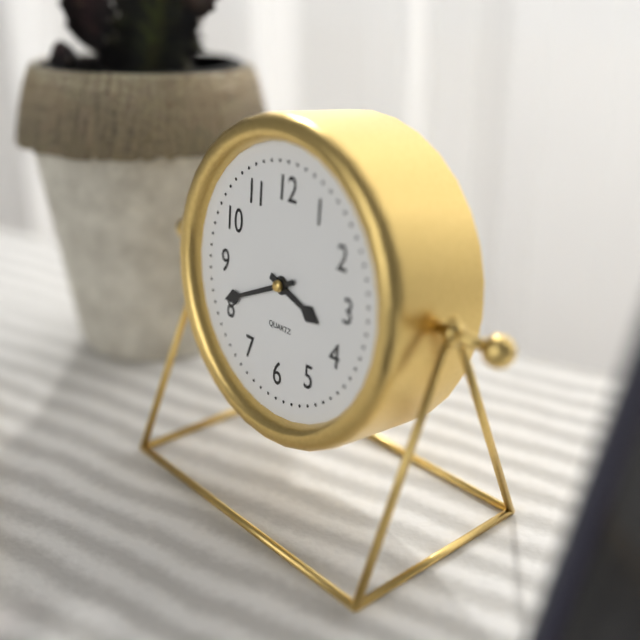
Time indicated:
{"hour": 3, "minute": 41}
